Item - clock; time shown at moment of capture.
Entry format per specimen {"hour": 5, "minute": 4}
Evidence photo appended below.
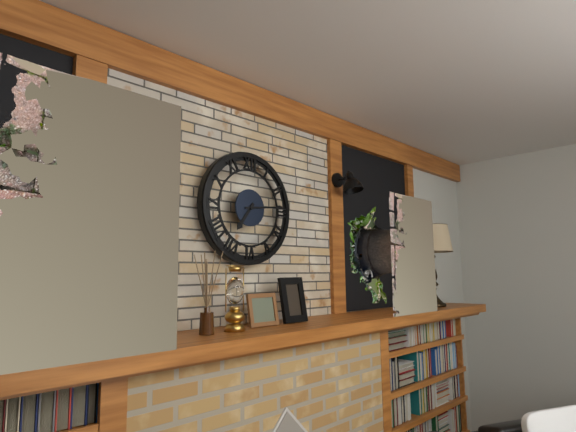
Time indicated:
{"hour": 7, "minute": 14}
